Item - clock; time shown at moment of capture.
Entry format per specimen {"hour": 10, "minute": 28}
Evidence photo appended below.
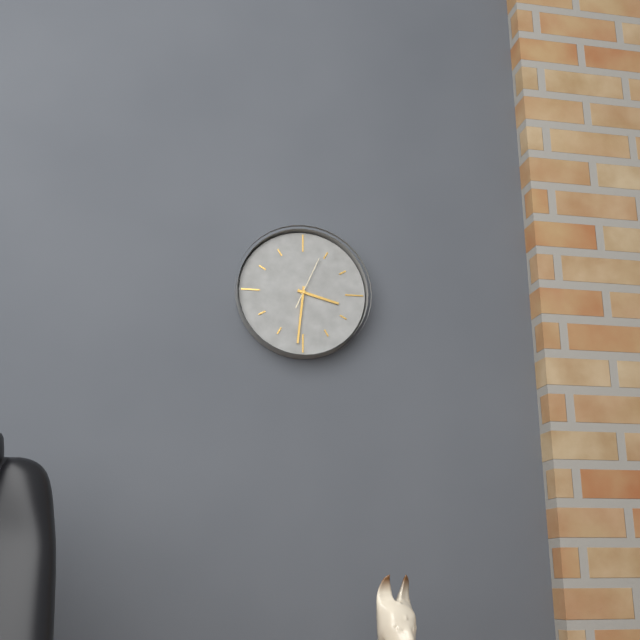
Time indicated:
{"hour": 3, "minute": 31}
